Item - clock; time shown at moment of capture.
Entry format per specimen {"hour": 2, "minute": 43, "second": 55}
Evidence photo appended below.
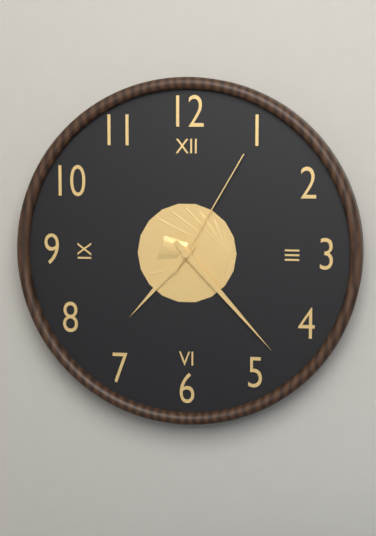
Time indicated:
{"hour": 7, "minute": 23, "second": 5}
